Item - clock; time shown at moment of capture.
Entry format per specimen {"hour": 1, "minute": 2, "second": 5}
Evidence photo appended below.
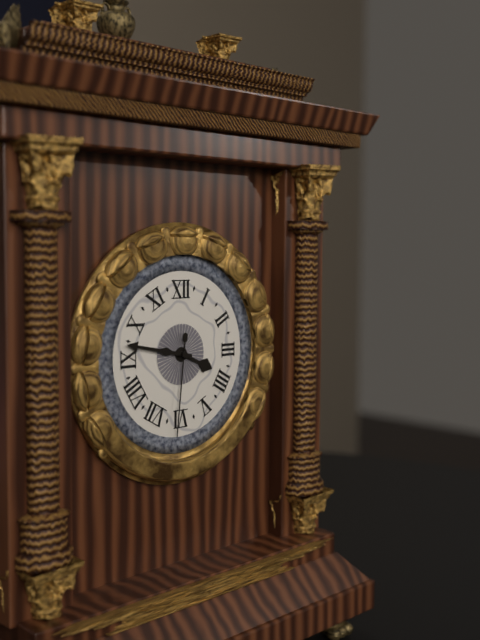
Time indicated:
{"hour": 3, "minute": 47, "second": 31}
